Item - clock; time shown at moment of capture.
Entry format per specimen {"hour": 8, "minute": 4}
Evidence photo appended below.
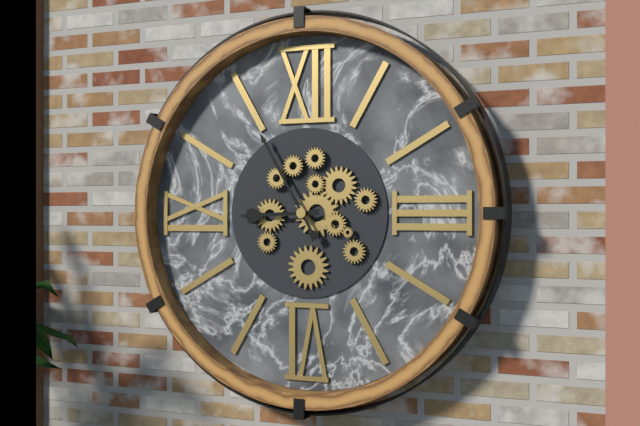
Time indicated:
{"hour": 8, "minute": 55}
